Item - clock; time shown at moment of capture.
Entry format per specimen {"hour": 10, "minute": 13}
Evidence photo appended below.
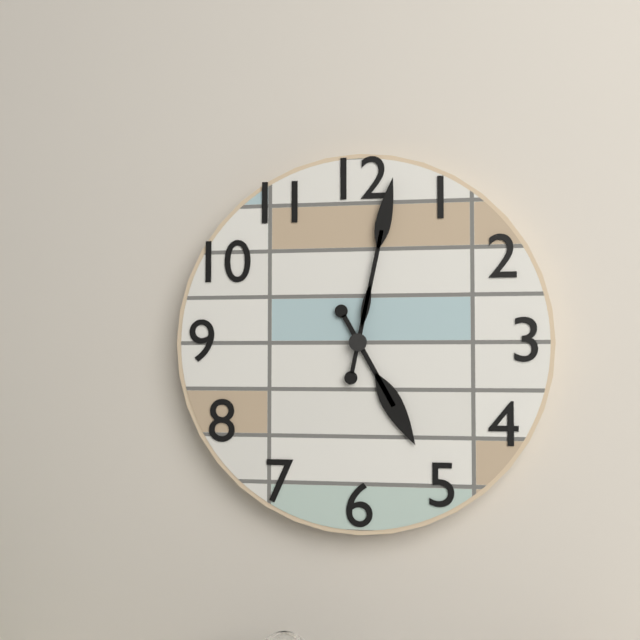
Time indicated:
{"hour": 5, "minute": 2}
